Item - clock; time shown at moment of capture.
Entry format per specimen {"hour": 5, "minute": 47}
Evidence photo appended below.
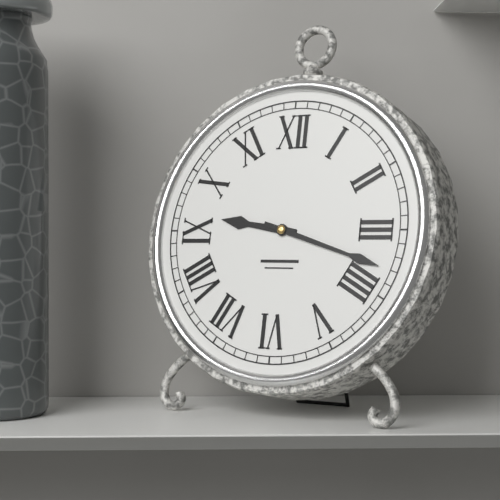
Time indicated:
{"hour": 9, "minute": 18}
